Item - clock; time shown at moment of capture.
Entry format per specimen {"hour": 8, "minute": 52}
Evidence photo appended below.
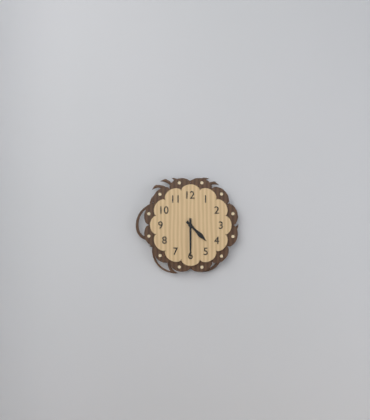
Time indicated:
{"hour": 4, "minute": 30}
